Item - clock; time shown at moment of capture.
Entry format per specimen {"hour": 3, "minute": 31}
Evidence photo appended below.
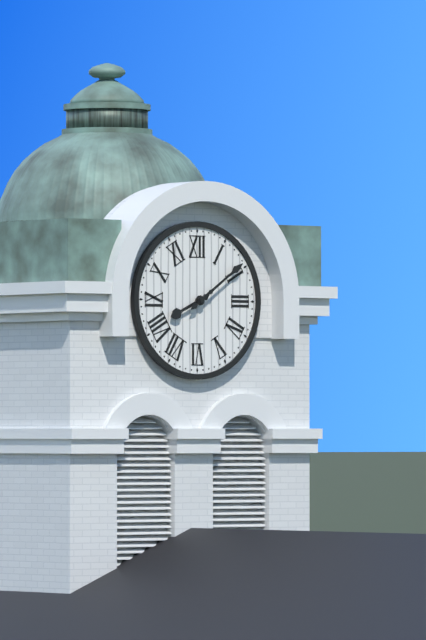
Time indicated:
{"hour": 8, "minute": 9}
